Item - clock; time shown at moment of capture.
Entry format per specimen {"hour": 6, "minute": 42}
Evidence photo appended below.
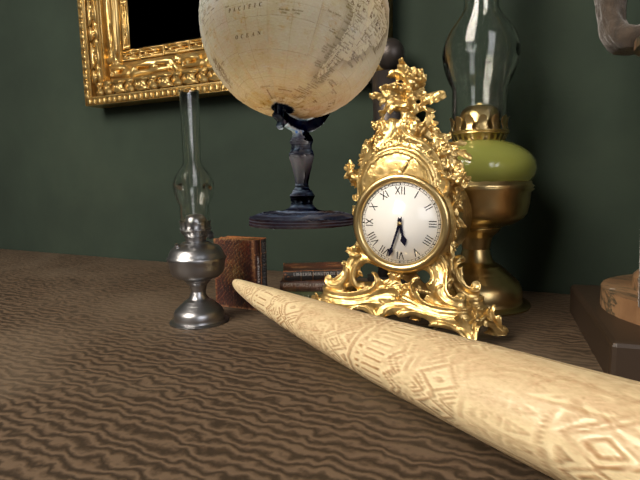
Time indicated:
{"hour": 5, "minute": 33}
